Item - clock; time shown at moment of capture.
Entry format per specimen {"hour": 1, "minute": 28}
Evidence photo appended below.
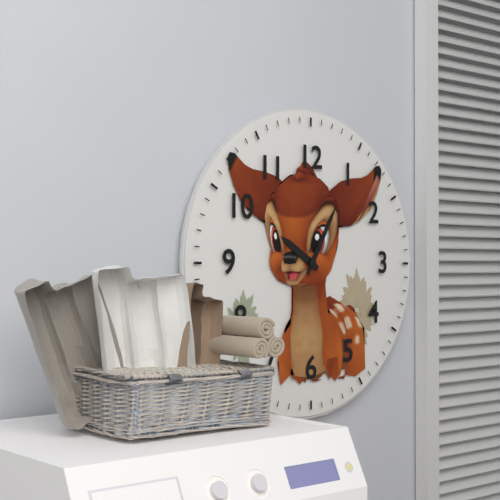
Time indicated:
{"hour": 10, "minute": 5}
